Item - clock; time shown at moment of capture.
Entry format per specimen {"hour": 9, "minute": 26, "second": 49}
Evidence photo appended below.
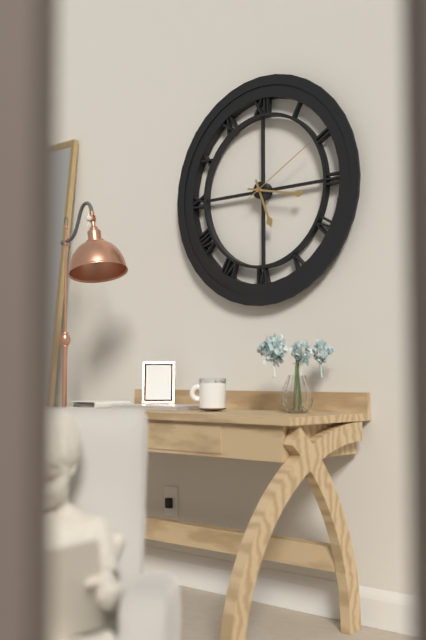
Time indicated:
{"hour": 5, "minute": 17, "second": 10}
